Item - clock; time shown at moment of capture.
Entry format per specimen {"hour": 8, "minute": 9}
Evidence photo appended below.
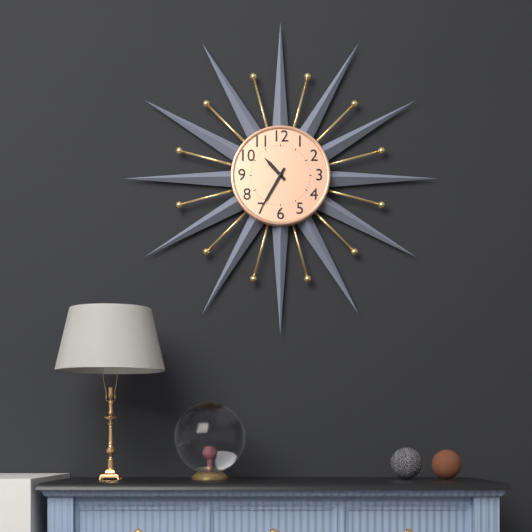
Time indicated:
{"hour": 10, "minute": 35}
